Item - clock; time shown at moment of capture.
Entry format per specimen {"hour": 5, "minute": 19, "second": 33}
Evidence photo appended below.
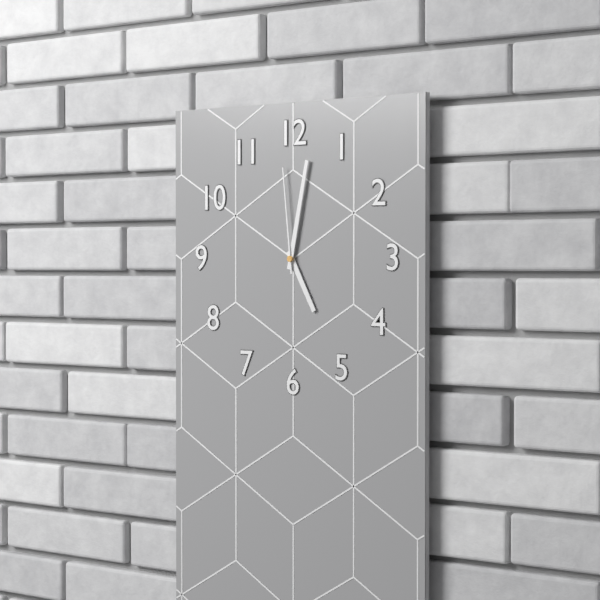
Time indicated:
{"hour": 5, "minute": 2, "second": 59}
